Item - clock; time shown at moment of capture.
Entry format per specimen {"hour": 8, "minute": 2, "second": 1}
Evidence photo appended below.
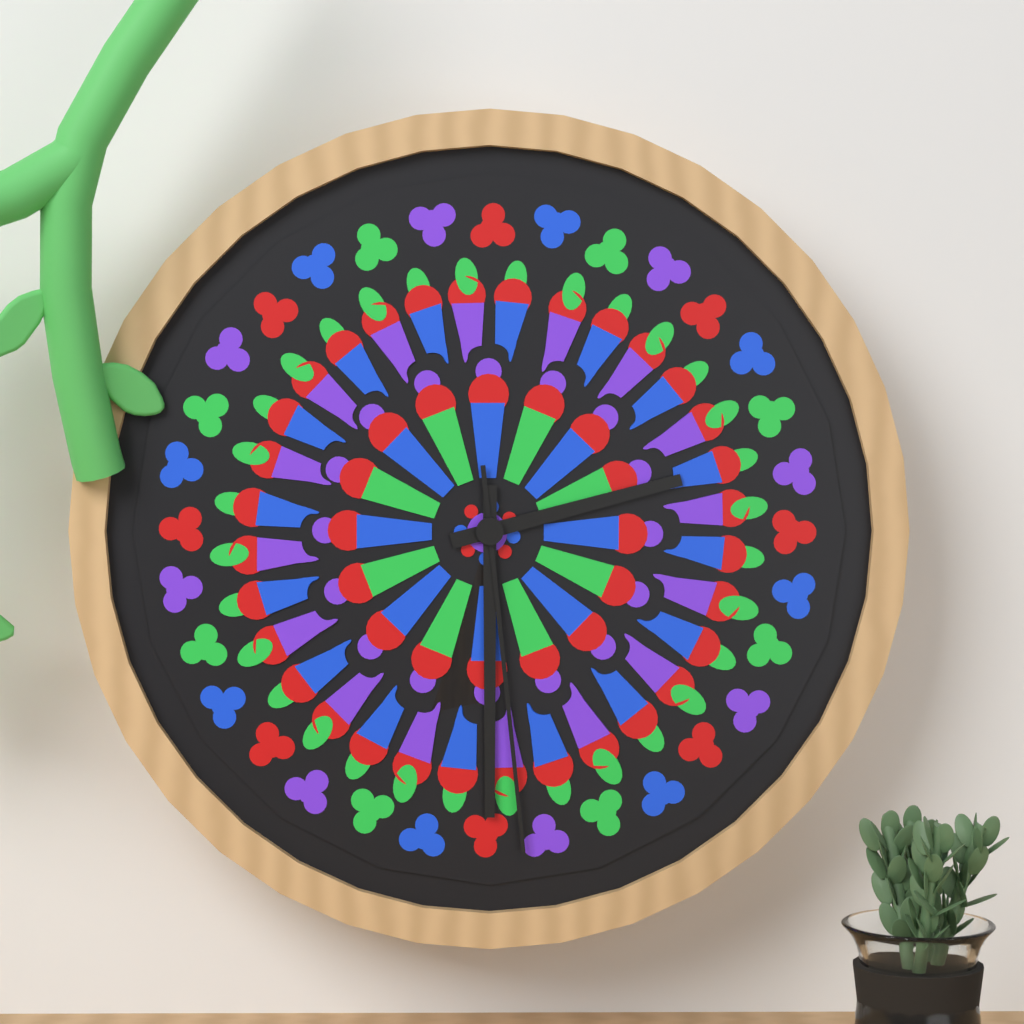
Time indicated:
{"hour": 2, "minute": 30, "second": 29}
